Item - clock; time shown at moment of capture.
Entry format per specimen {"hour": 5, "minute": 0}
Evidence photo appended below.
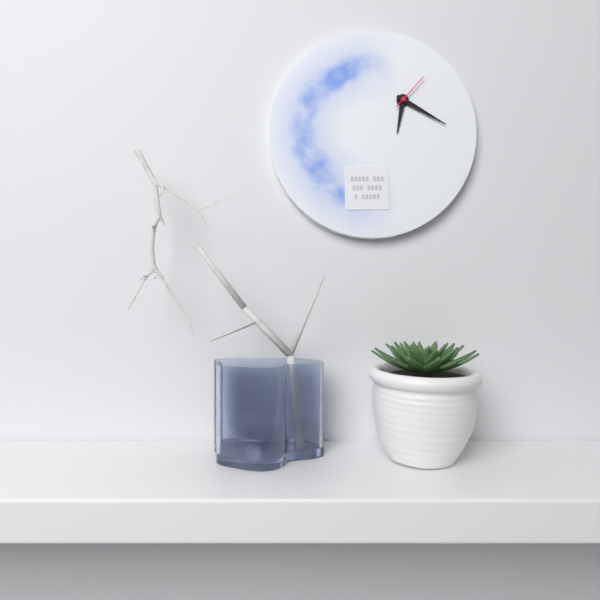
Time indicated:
{"hour": 6, "minute": 20}
